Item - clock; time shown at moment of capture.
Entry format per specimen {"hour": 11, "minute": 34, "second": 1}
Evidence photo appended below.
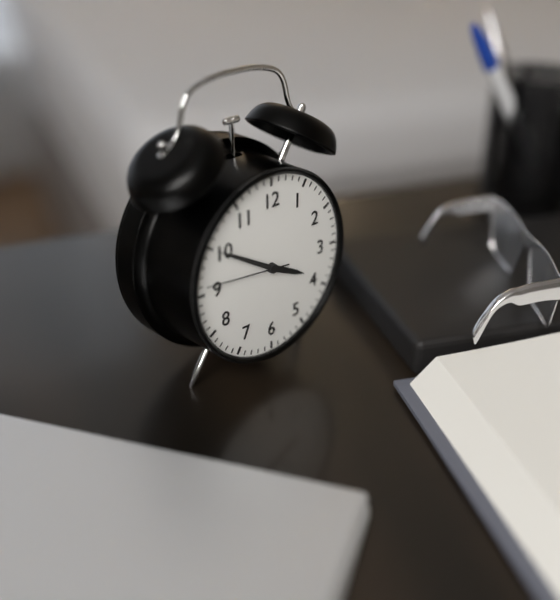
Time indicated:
{"hour": 3, "minute": 50, "second": 46}
